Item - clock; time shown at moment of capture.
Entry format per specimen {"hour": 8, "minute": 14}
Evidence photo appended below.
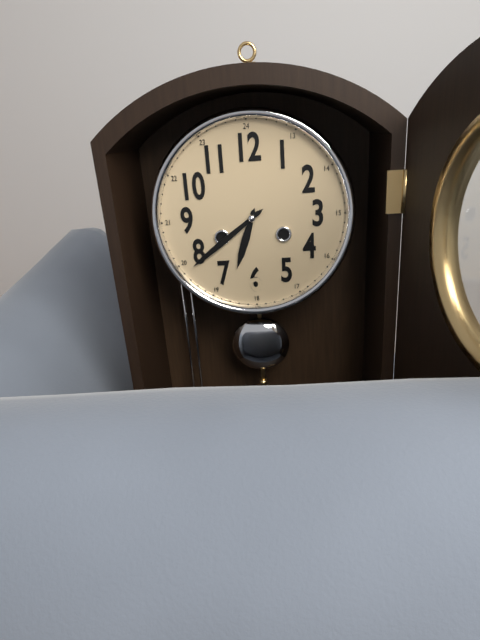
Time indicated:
{"hour": 6, "minute": 39}
